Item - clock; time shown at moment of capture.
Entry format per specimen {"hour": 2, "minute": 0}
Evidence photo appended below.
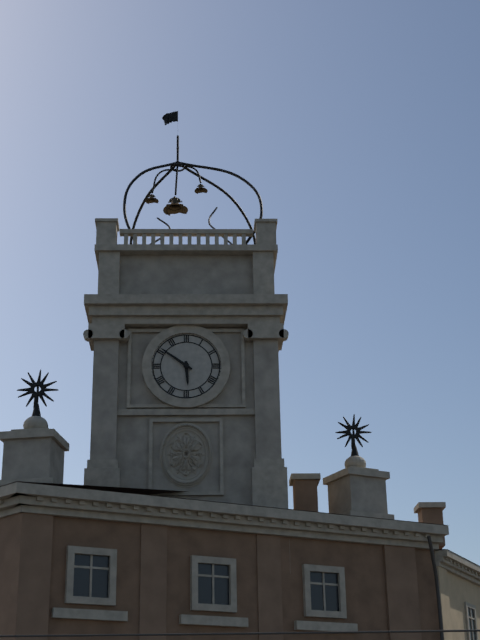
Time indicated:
{"hour": 5, "minute": 51}
